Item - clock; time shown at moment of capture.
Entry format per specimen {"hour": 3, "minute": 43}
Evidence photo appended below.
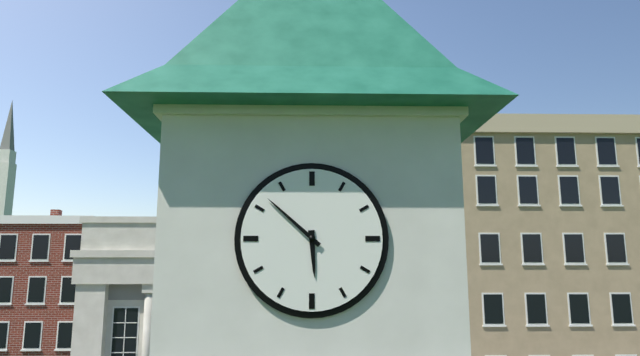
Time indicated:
{"hour": 5, "minute": 52}
